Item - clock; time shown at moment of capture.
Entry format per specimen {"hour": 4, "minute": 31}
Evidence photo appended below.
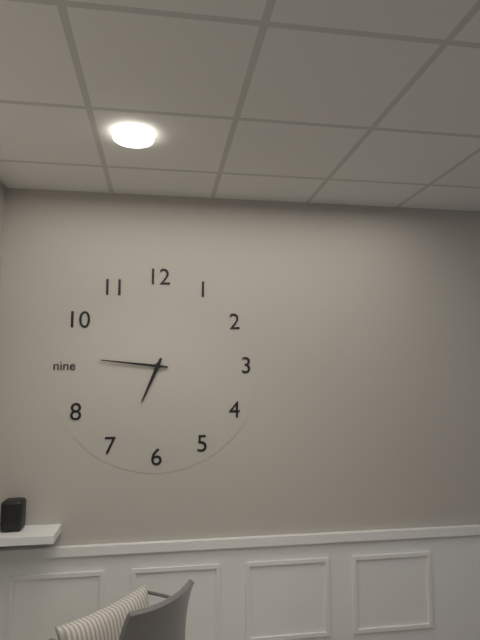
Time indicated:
{"hour": 6, "minute": 46}
